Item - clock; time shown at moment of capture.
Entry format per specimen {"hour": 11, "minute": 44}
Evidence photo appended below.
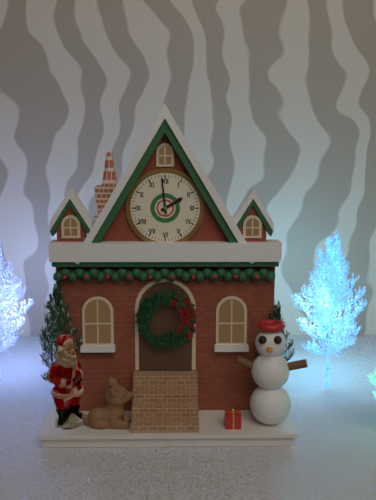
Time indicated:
{"hour": 1, "minute": 59}
